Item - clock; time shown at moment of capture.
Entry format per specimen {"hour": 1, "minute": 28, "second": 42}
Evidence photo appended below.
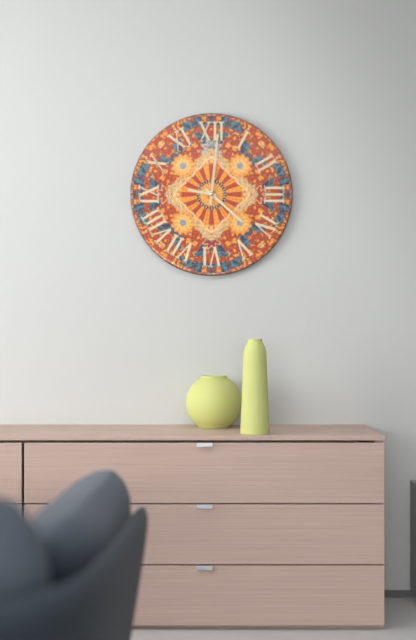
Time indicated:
{"hour": 9, "minute": 22, "second": 1}
